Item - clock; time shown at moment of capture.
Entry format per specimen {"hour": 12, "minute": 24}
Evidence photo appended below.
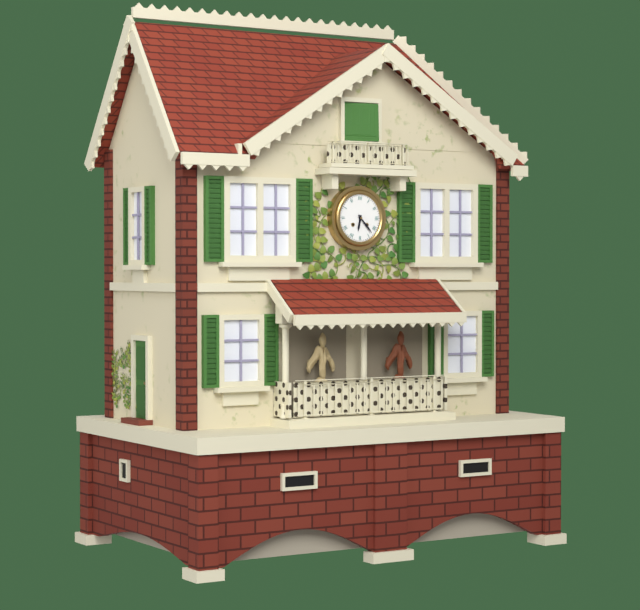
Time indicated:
{"hour": 6, "minute": 23}
